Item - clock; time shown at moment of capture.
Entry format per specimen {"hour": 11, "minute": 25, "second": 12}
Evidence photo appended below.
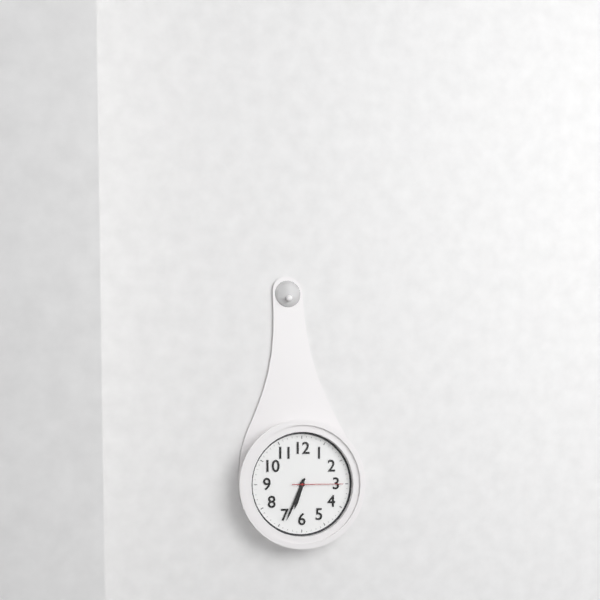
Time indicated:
{"hour": 6, "minute": 34, "second": 15}
